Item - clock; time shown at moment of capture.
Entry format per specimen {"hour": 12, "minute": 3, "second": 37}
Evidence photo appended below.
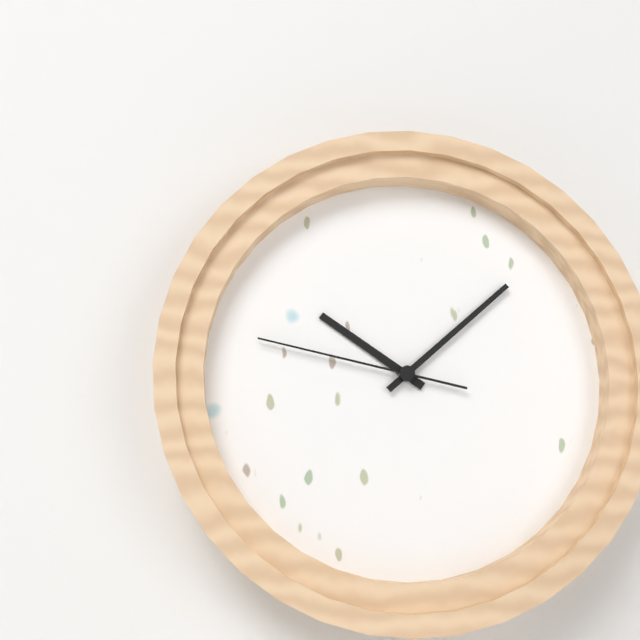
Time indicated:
{"hour": 10, "minute": 8, "second": 47}
